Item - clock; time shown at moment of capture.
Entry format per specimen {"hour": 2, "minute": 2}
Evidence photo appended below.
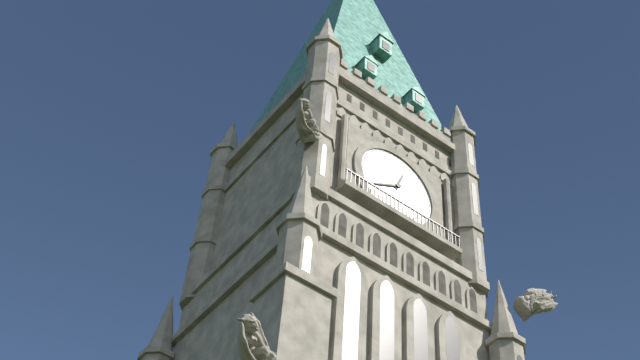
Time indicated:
{"hour": 12, "minute": 40}
